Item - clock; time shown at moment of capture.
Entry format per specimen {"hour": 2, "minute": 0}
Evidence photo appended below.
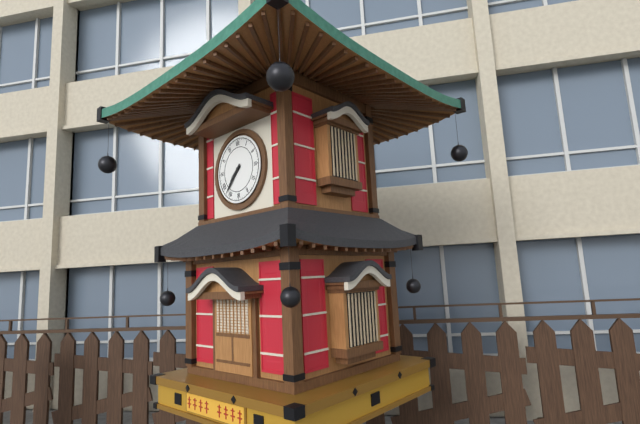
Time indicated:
{"hour": 7, "minute": 37}
